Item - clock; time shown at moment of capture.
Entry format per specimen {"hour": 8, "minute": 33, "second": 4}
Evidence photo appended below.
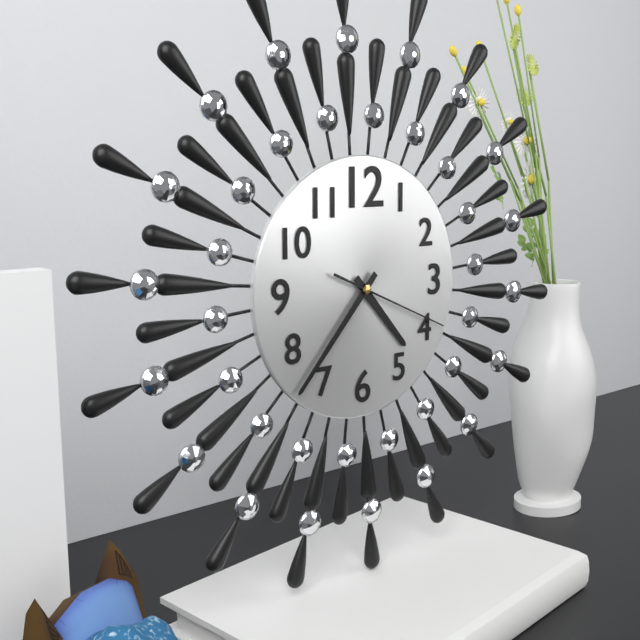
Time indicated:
{"hour": 4, "minute": 37, "second": 19}
